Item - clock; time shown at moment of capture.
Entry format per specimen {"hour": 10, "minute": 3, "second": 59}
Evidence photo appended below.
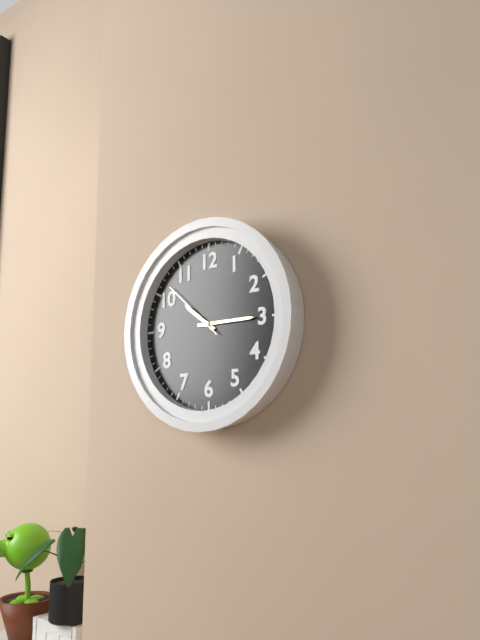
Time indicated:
{"hour": 10, "minute": 15, "second": 52}
